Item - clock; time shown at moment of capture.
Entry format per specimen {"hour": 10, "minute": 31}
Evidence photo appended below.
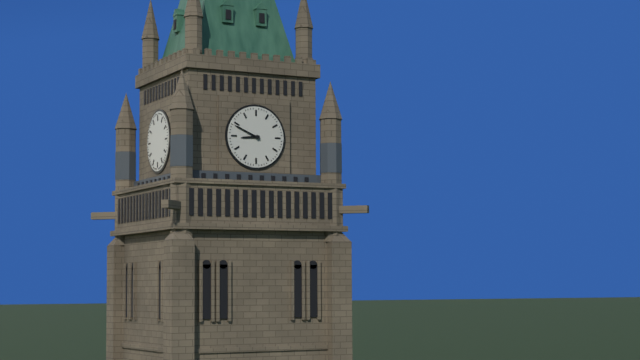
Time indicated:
{"hour": 8, "minute": 49}
